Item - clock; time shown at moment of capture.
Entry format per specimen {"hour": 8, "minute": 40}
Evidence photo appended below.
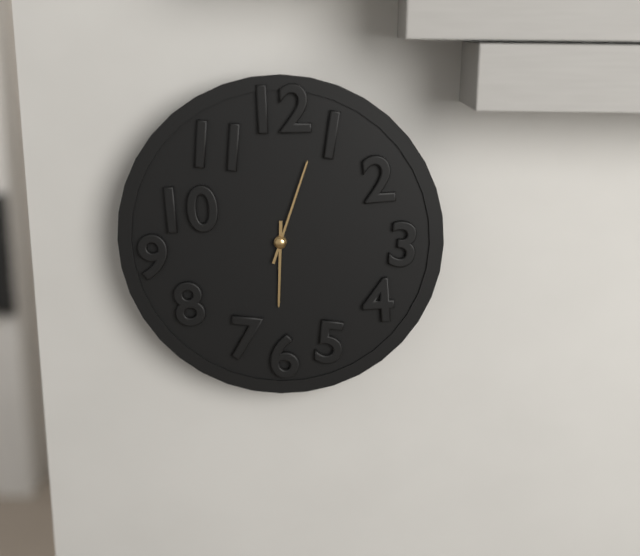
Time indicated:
{"hour": 6, "minute": 3}
